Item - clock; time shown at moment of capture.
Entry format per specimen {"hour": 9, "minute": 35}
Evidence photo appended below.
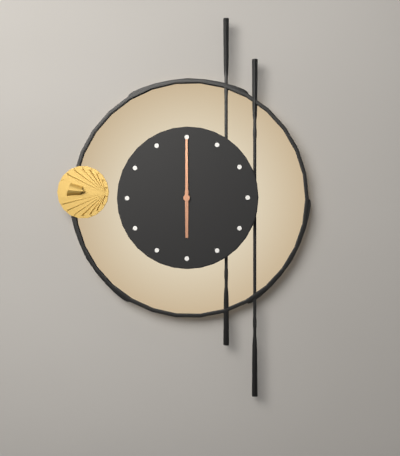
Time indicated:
{"hour": 6, "minute": 0}
